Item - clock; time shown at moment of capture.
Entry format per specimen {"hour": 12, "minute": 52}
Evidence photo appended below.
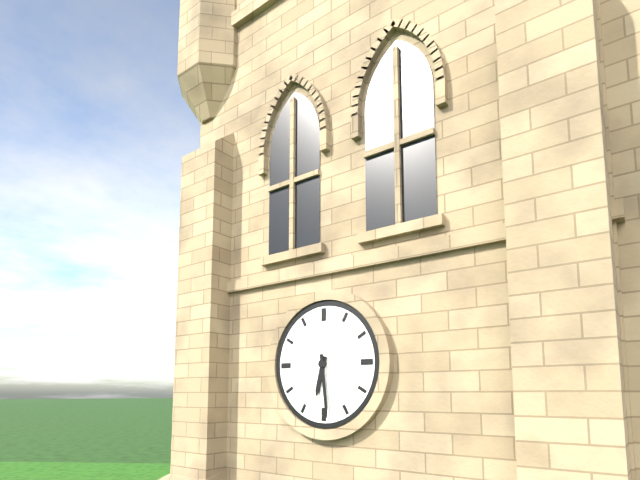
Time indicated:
{"hour": 6, "minute": 29}
